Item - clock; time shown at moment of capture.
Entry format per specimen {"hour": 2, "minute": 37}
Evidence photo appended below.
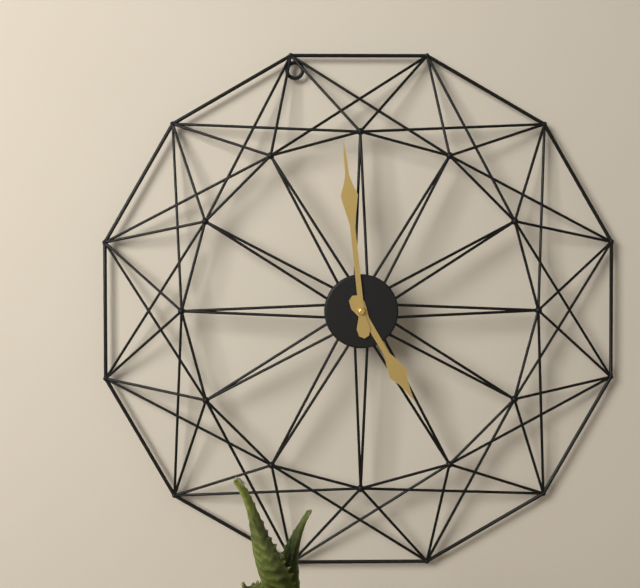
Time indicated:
{"hour": 4, "minute": 59}
